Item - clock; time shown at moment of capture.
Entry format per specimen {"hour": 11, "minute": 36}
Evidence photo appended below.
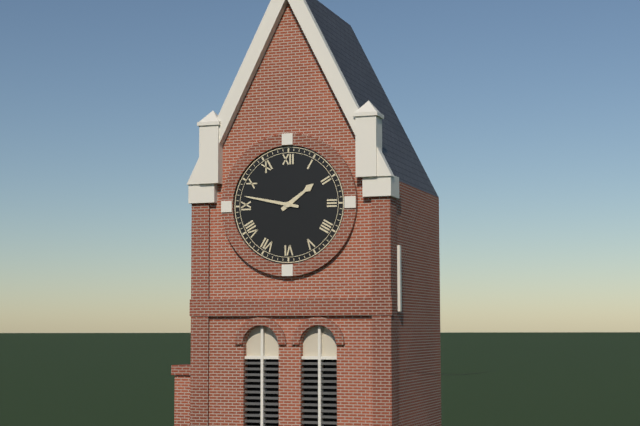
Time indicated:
{"hour": 1, "minute": 47}
